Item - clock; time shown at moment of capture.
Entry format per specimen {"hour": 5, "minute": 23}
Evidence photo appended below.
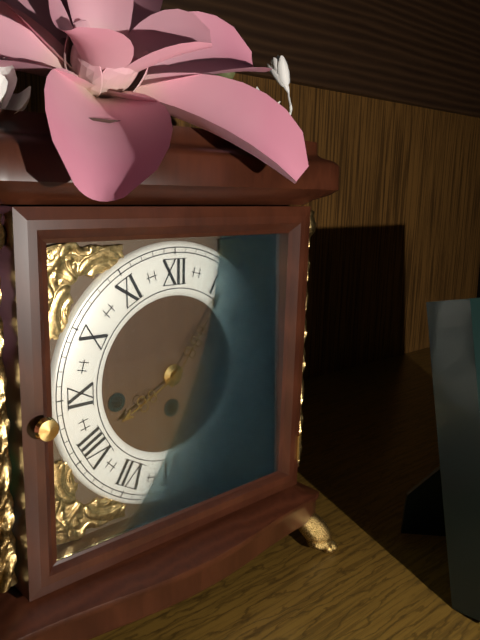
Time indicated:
{"hour": 8, "minute": 6}
